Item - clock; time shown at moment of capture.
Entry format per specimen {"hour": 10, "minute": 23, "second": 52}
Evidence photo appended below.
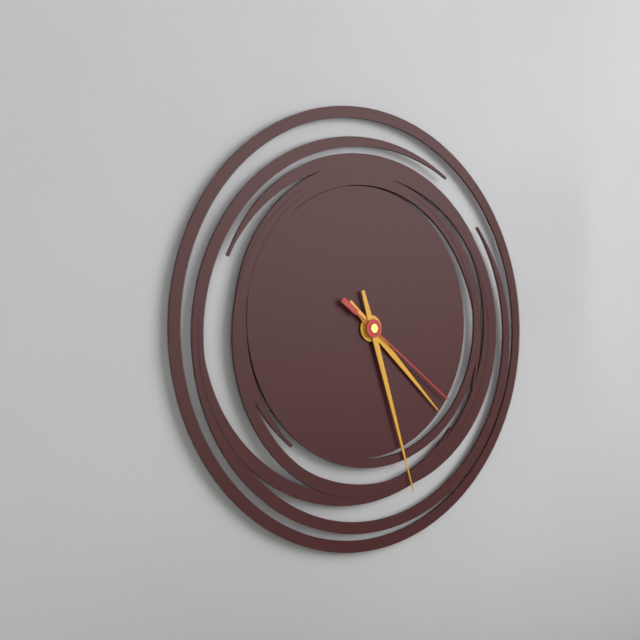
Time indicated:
{"hour": 4, "minute": 27, "second": 21}
